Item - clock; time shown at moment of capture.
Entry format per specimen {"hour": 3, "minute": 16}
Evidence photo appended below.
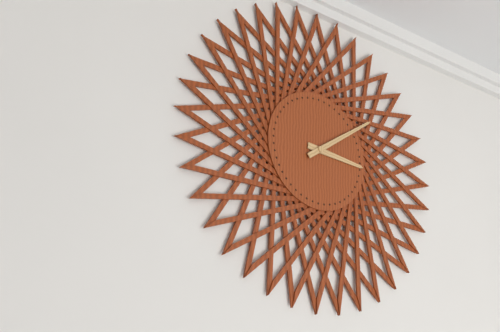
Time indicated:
{"hour": 3, "minute": 9}
